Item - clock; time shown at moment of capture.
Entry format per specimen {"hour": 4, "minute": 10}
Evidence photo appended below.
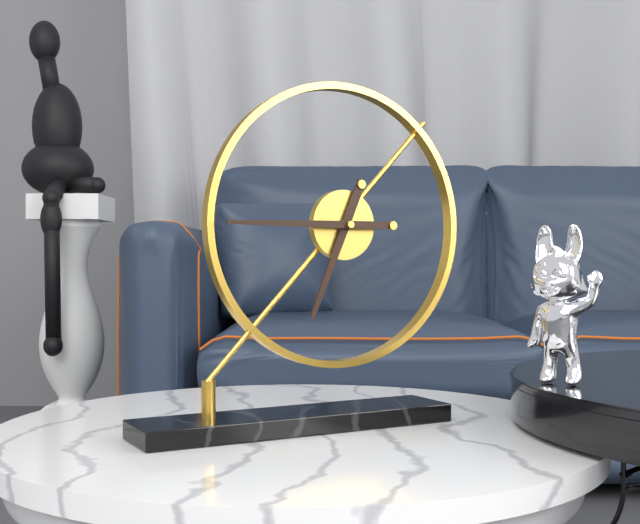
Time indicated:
{"hour": 6, "minute": 45}
